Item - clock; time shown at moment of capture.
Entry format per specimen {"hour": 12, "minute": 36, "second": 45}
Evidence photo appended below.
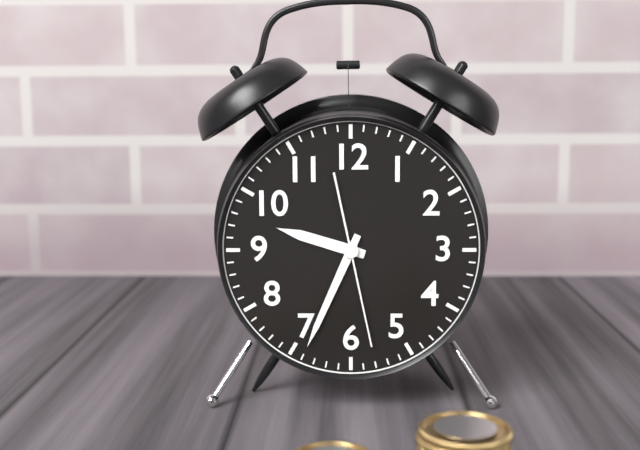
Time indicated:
{"hour": 9, "minute": 34, "second": 28}
